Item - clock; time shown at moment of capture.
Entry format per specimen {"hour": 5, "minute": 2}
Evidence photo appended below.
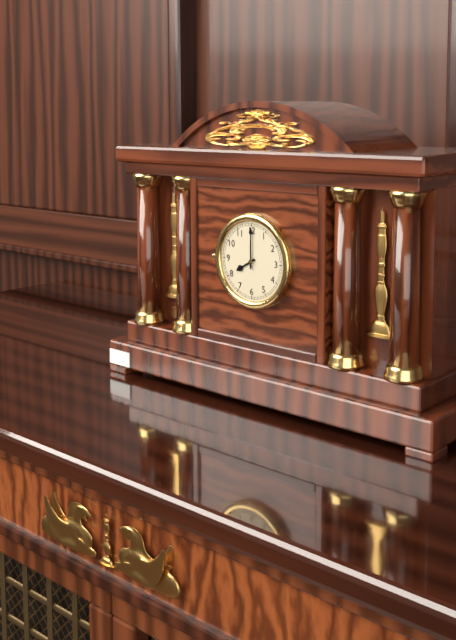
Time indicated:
{"hour": 8, "minute": 0}
